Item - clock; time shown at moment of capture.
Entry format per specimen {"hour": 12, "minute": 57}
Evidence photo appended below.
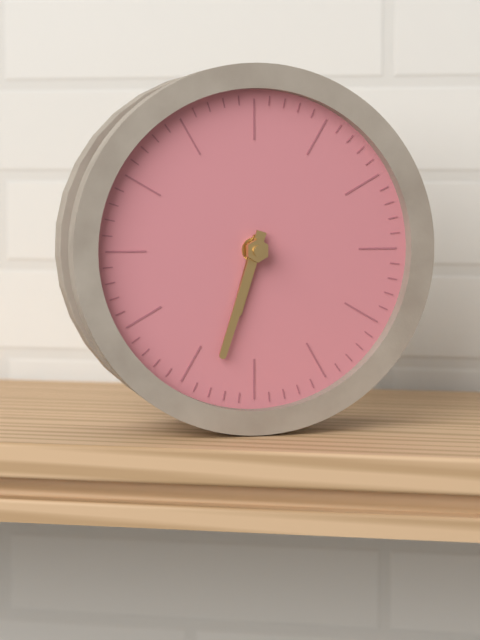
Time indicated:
{"hour": 6, "minute": 33}
